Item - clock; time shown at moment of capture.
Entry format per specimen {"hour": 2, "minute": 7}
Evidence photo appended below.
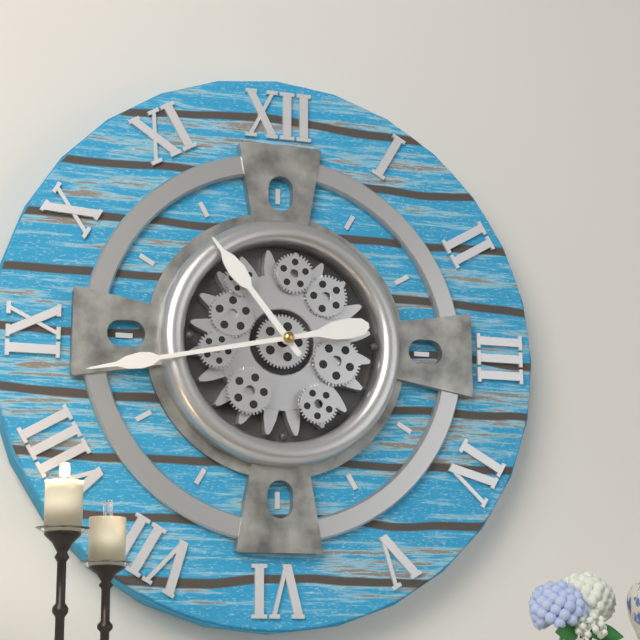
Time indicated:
{"hour": 10, "minute": 43}
